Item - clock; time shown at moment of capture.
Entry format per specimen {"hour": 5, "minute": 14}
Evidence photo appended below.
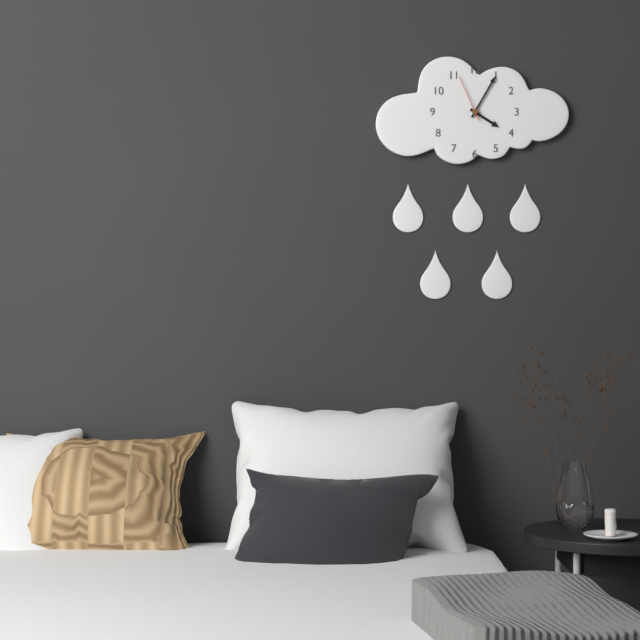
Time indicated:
{"hour": 4, "minute": 5}
